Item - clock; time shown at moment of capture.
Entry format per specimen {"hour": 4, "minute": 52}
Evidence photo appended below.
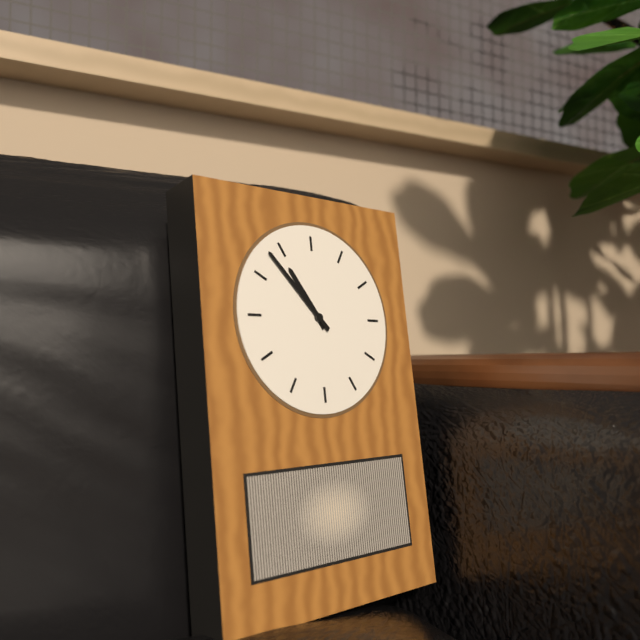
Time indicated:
{"hour": 10, "minute": 53}
